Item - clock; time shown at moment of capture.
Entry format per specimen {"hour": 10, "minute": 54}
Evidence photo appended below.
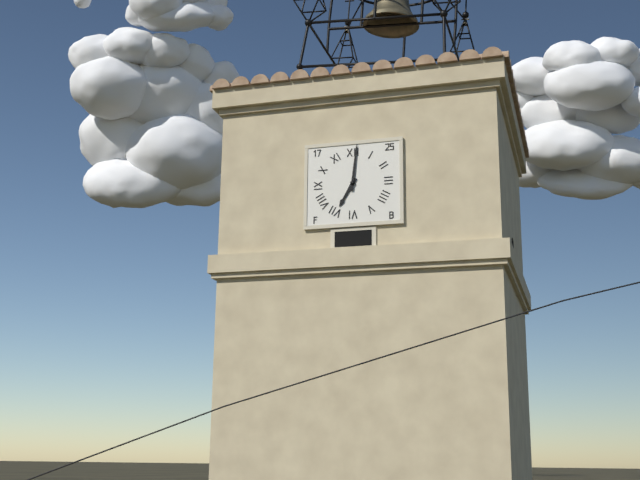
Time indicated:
{"hour": 7, "minute": 1}
